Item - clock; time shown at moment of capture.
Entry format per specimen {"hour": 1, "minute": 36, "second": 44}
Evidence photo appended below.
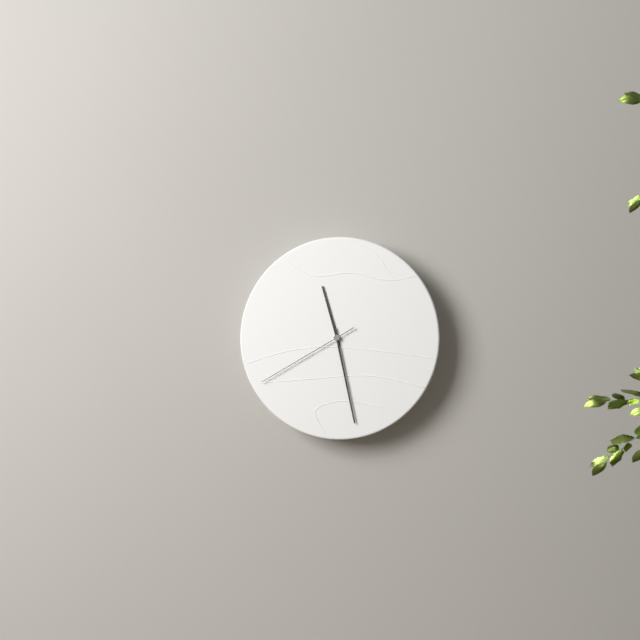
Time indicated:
{"hour": 11, "minute": 28, "second": 40}
